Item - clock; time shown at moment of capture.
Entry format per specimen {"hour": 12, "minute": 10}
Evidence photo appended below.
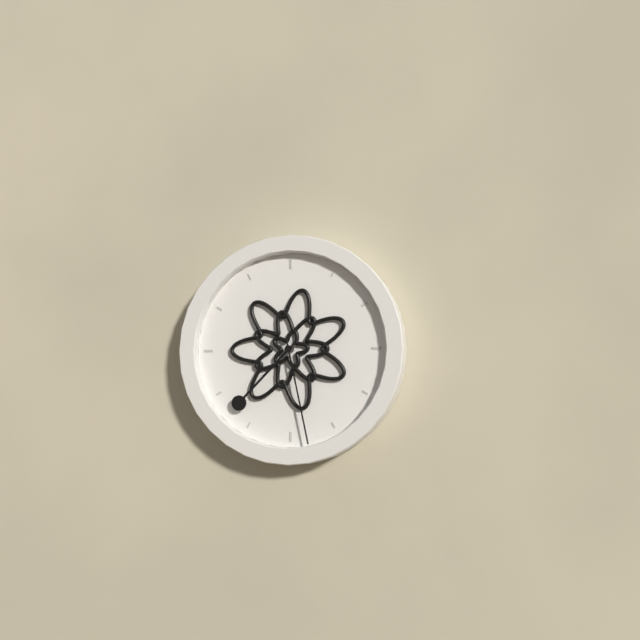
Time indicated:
{"hour": 7, "minute": 28}
